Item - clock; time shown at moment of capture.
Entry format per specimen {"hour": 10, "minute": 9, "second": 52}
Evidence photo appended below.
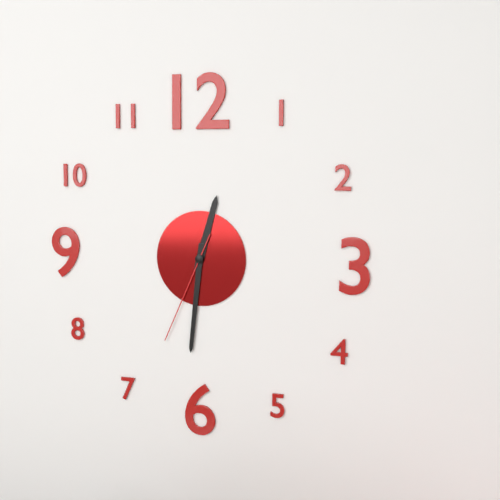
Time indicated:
{"hour": 12, "minute": 31, "second": 34}
